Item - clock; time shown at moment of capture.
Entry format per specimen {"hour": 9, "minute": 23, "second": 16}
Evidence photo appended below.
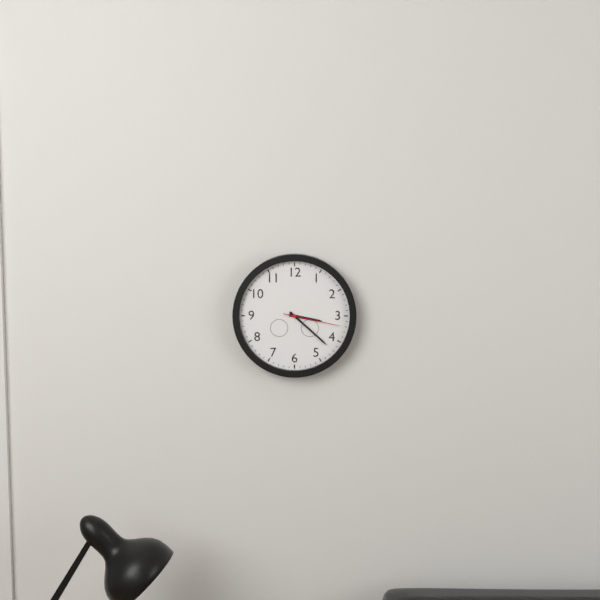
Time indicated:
{"hour": 3, "minute": 22, "second": 17}
